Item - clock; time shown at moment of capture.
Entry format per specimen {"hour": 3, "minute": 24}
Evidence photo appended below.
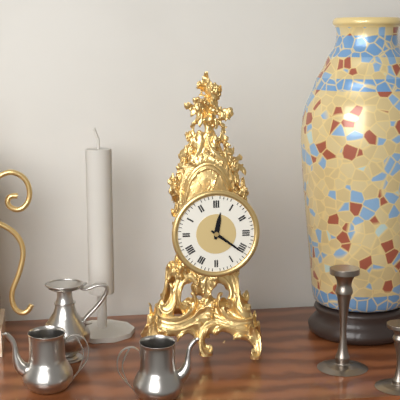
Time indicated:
{"hour": 12, "minute": 21}
